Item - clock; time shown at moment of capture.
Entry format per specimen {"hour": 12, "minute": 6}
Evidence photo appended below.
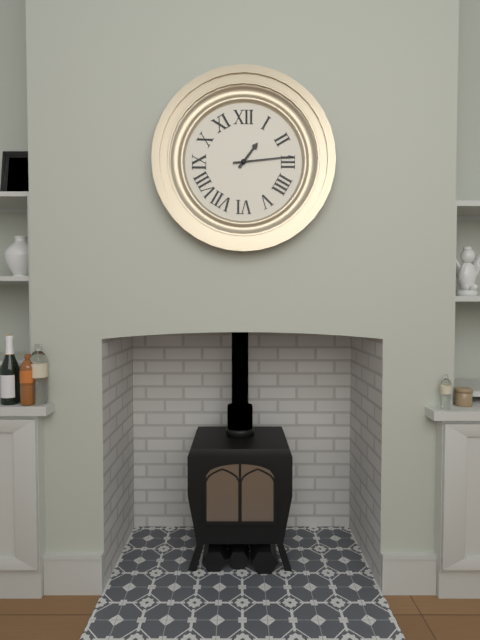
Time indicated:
{"hour": 1, "minute": 14}
